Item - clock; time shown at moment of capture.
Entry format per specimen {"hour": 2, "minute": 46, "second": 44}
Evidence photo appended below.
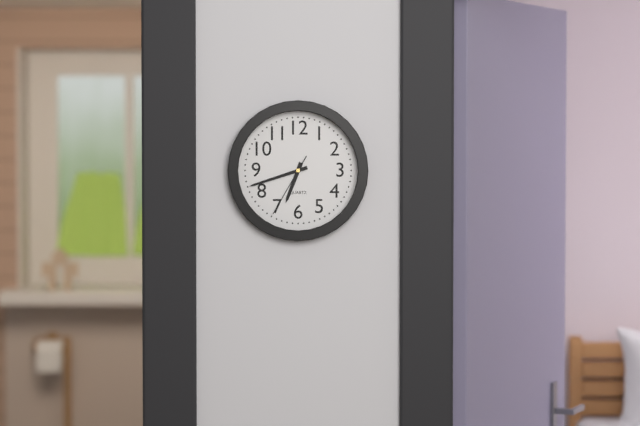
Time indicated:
{"hour": 6, "minute": 42, "second": 35}
